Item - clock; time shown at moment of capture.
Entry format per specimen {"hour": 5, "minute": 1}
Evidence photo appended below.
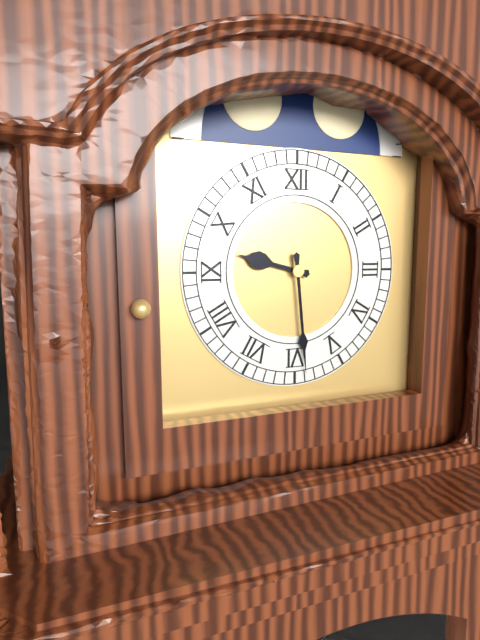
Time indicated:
{"hour": 9, "minute": 29}
